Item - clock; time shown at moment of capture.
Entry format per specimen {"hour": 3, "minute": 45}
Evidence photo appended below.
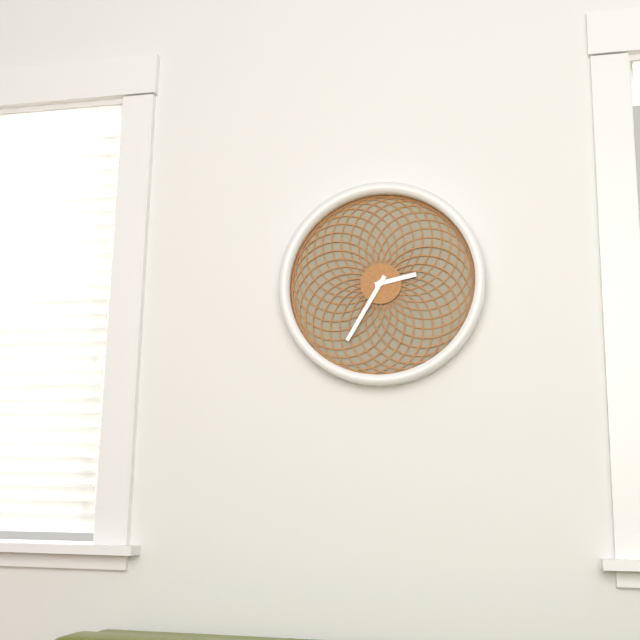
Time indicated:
{"hour": 2, "minute": 35}
